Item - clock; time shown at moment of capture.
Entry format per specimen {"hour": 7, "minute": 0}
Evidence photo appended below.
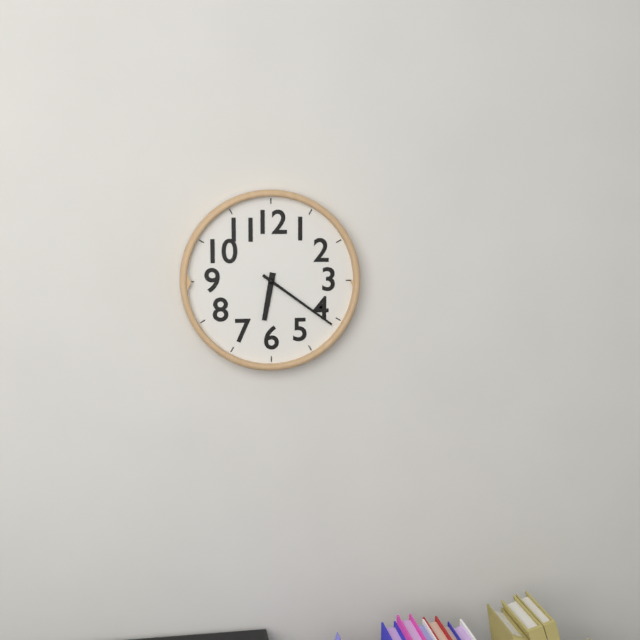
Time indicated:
{"hour": 6, "minute": 21}
